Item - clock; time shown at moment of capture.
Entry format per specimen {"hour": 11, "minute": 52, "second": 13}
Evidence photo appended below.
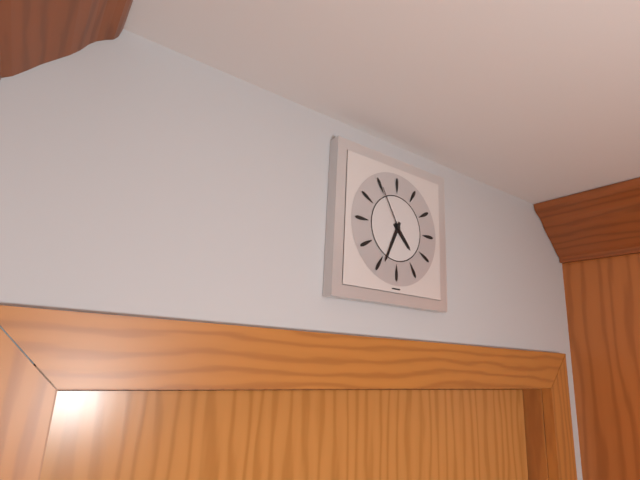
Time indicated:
{"hour": 4, "minute": 34, "second": 55}
